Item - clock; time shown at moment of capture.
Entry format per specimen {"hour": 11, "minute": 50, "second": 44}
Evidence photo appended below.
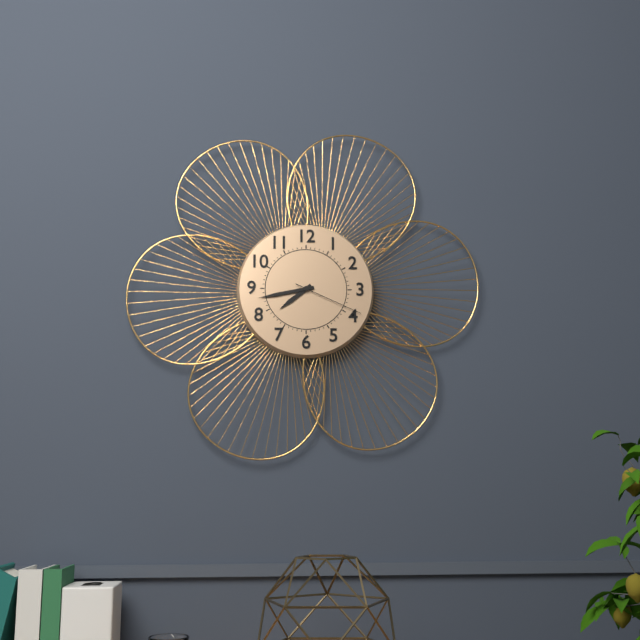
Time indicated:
{"hour": 7, "minute": 43, "second": 19}
